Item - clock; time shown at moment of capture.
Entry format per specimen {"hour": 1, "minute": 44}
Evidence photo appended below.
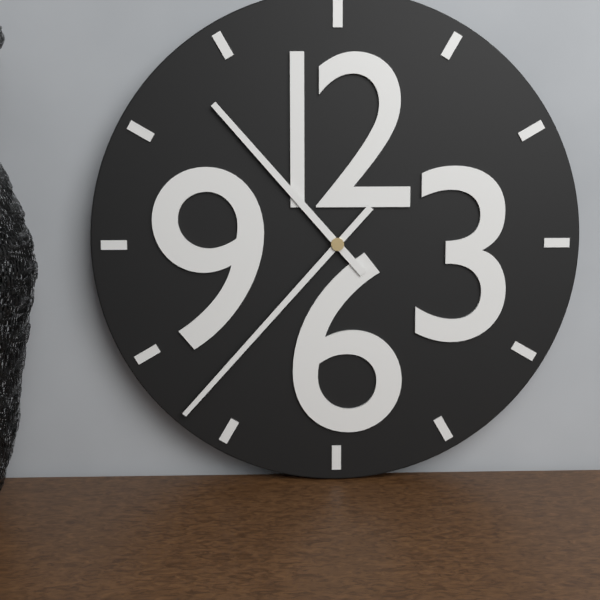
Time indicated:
{"hour": 10, "minute": 37}
